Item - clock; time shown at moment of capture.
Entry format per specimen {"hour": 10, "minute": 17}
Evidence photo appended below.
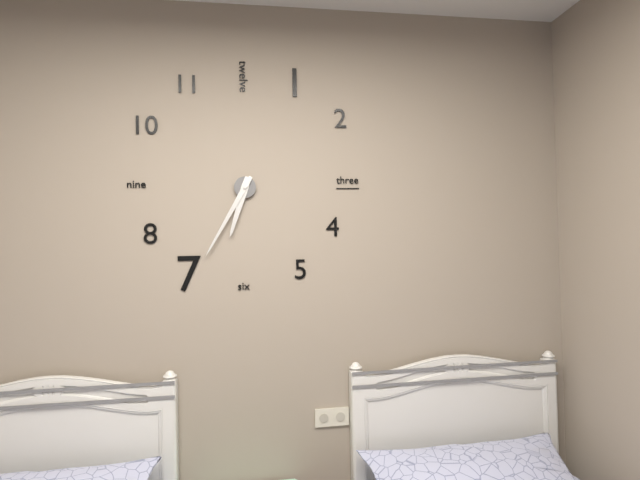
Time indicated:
{"hour": 6, "minute": 35}
